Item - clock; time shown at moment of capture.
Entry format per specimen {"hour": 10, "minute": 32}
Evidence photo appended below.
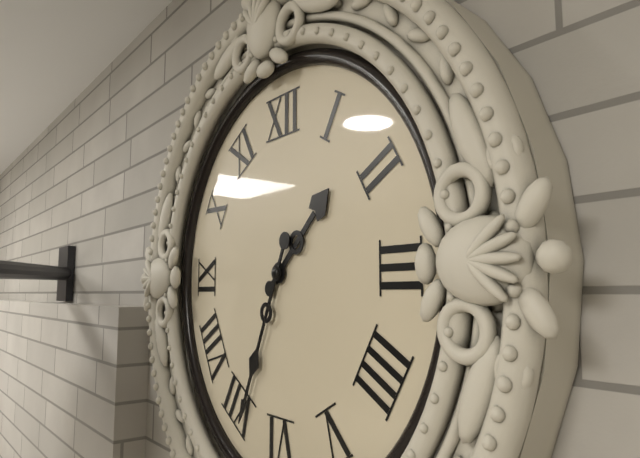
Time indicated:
{"hour": 1, "minute": 34}
